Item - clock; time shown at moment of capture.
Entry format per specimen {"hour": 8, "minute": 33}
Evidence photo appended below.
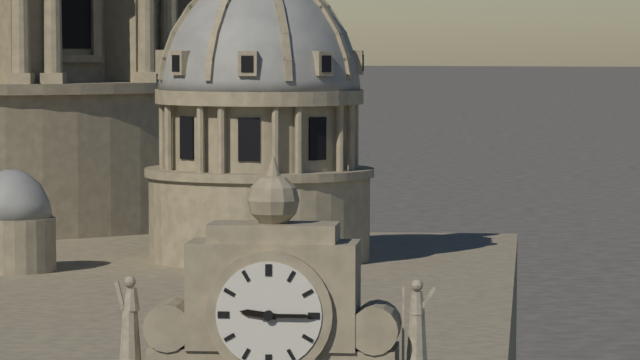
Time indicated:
{"hour": 9, "minute": 15}
